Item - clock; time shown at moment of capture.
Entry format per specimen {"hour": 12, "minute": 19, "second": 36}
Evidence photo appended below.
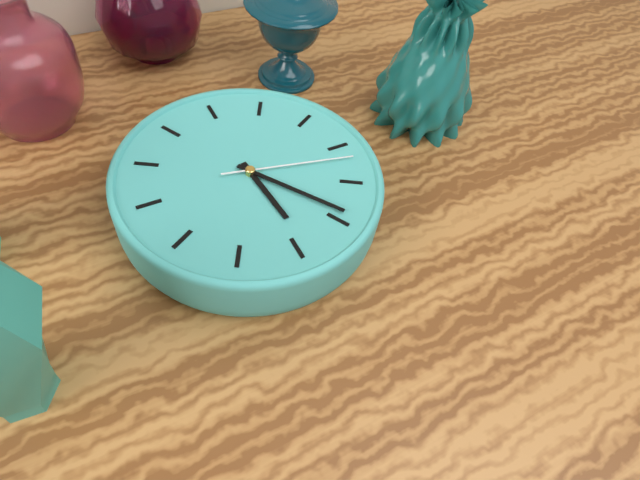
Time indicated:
{"hour": 10, "minute": 49, "second": 42}
